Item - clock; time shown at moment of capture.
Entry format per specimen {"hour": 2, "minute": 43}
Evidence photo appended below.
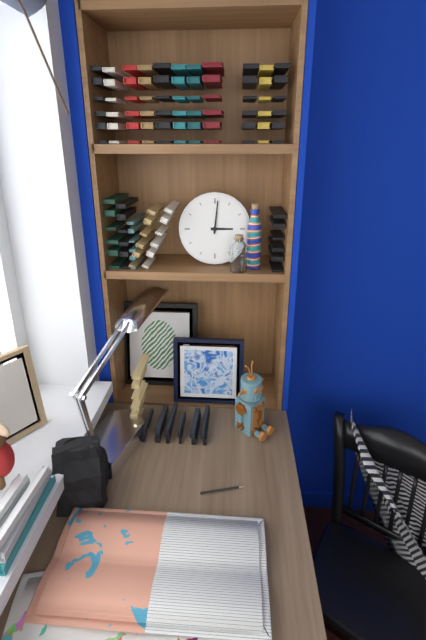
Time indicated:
{"hour": 3, "minute": 1}
